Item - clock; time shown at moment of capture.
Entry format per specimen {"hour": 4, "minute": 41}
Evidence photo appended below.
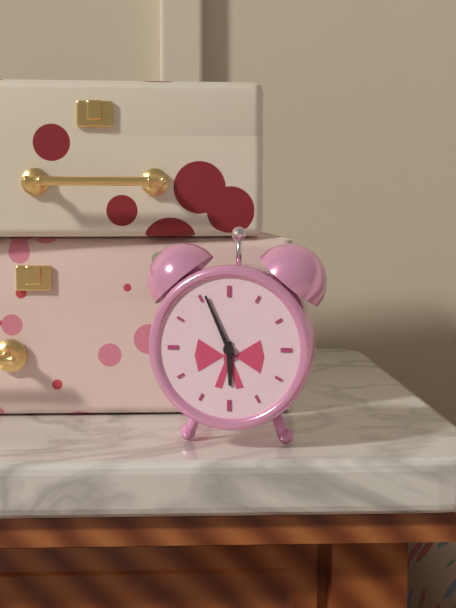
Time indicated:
{"hour": 5, "minute": 56}
